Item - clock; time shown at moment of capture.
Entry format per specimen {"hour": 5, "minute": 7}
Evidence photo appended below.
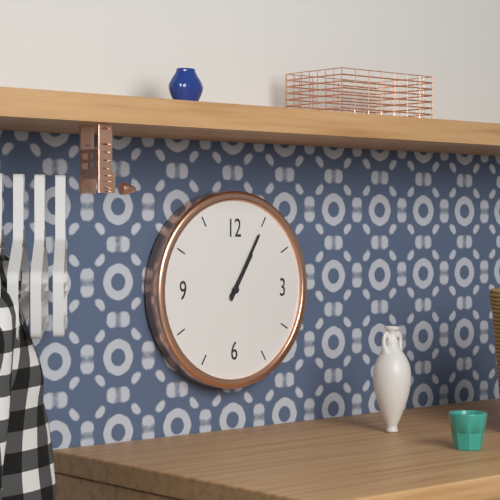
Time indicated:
{"hour": 1, "minute": 5}
